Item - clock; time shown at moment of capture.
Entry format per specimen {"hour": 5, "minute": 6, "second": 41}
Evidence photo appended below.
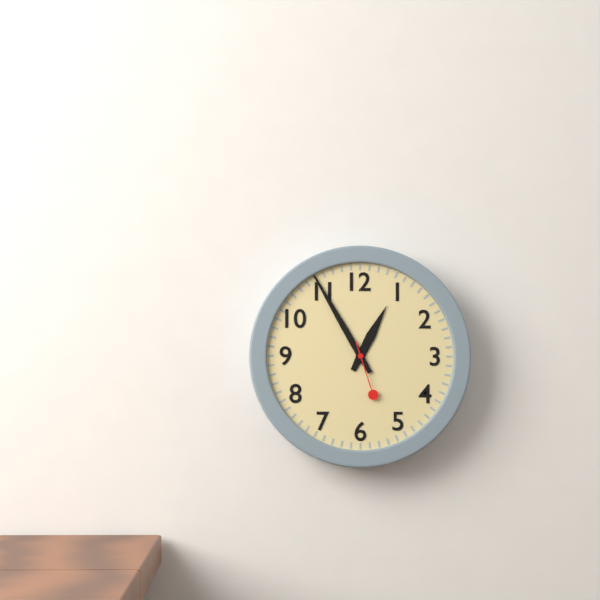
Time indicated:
{"hour": 12, "minute": 55, "second": 27}
